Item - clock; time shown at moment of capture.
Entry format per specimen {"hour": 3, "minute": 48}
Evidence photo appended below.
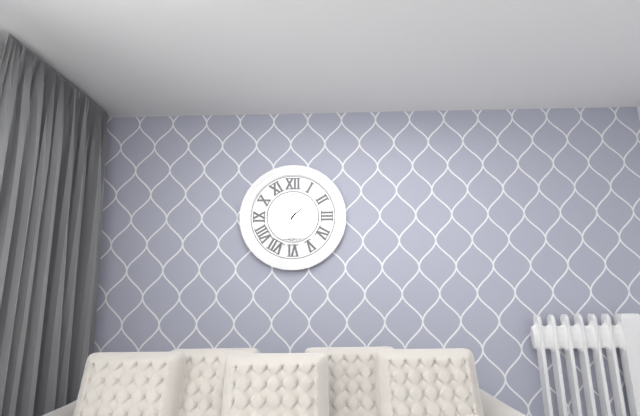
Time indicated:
{"hour": 1, "minute": 34}
